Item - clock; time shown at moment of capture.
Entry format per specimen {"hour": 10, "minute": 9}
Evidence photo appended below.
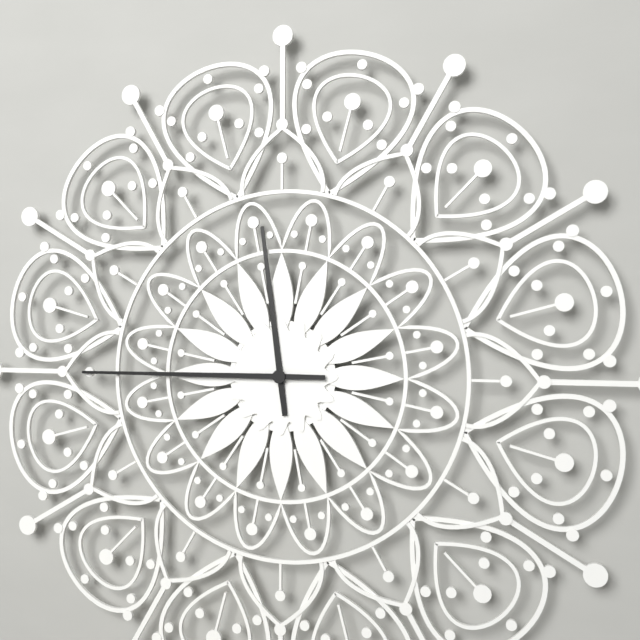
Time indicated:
{"hour": 11, "minute": 45}
